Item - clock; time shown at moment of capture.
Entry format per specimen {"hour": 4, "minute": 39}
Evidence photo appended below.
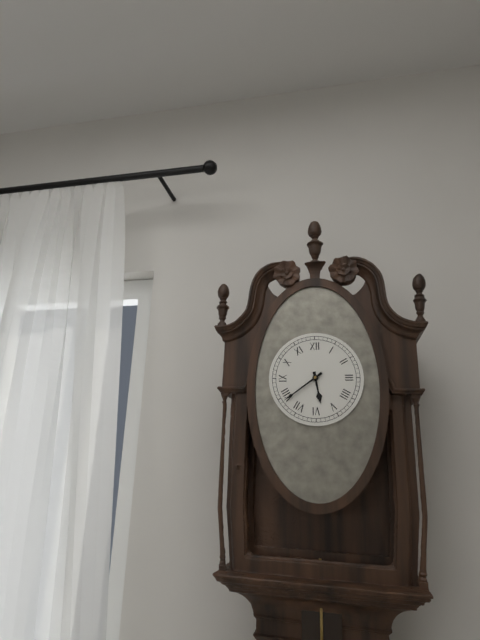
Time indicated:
{"hour": 5, "minute": 39}
